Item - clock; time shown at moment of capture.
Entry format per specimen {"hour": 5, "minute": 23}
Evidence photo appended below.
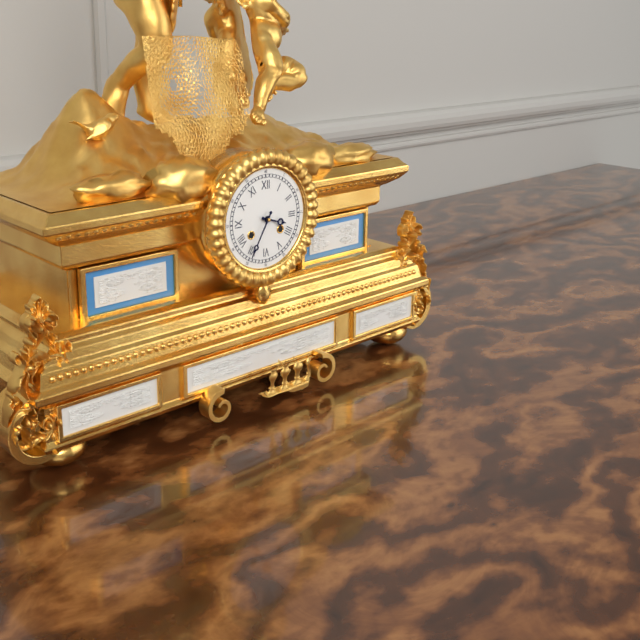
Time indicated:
{"hour": 3, "minute": 35}
